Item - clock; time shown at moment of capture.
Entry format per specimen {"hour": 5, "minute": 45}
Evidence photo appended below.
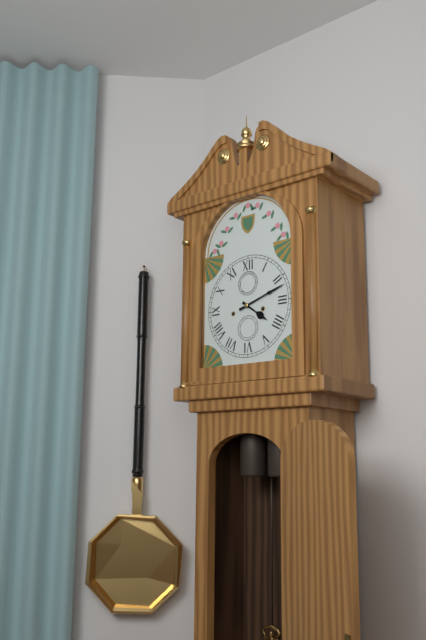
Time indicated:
{"hour": 4, "minute": 12}
